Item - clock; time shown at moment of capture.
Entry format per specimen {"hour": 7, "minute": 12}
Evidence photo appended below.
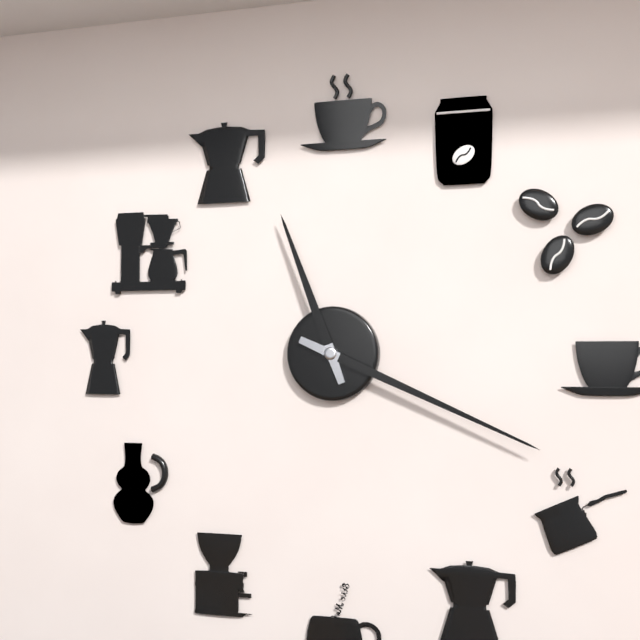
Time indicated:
{"hour": 11, "minute": 19}
